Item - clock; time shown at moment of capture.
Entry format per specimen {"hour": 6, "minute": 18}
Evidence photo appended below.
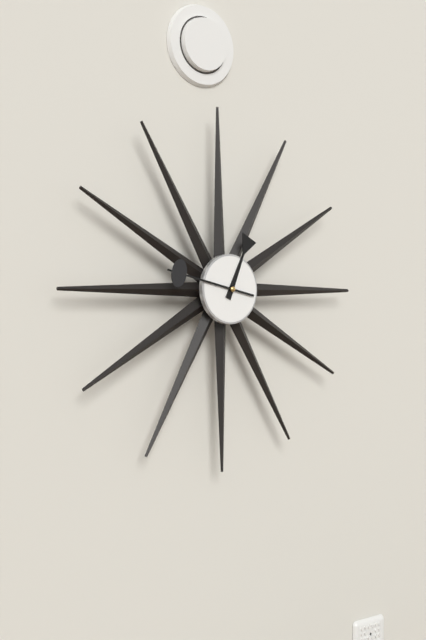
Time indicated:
{"hour": 12, "minute": 47}
